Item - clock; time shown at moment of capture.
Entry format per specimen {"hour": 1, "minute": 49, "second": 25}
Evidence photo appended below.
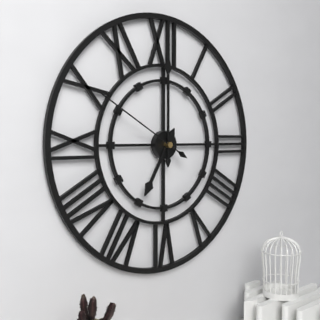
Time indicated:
{"hour": 7, "minute": 0, "second": 50}
